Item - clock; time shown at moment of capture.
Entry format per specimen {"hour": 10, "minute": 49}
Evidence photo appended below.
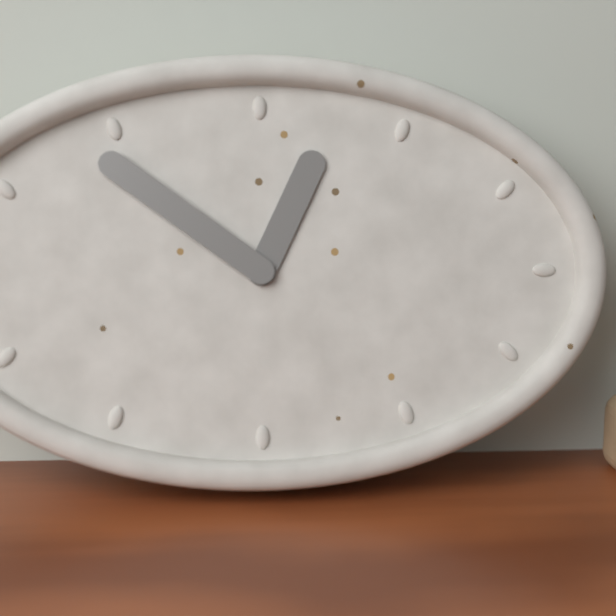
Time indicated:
{"hour": 12, "minute": 51}
